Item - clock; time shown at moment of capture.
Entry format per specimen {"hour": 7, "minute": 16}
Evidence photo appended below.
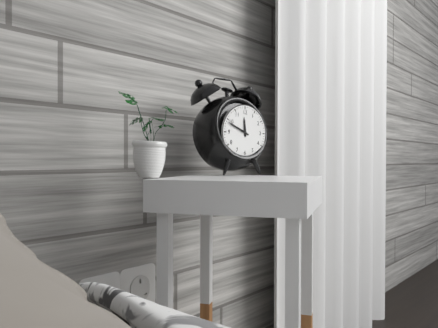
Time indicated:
{"hour": 11, "minute": 49}
